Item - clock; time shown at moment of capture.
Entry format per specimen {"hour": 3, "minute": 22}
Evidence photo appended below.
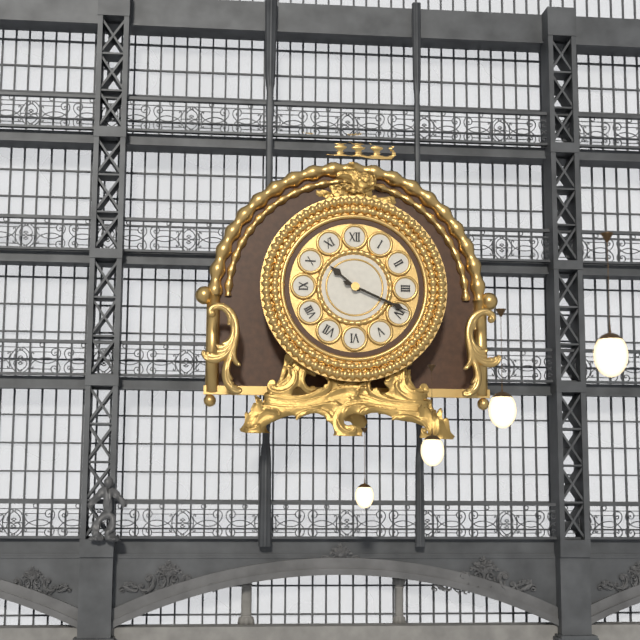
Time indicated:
{"hour": 10, "minute": 19}
